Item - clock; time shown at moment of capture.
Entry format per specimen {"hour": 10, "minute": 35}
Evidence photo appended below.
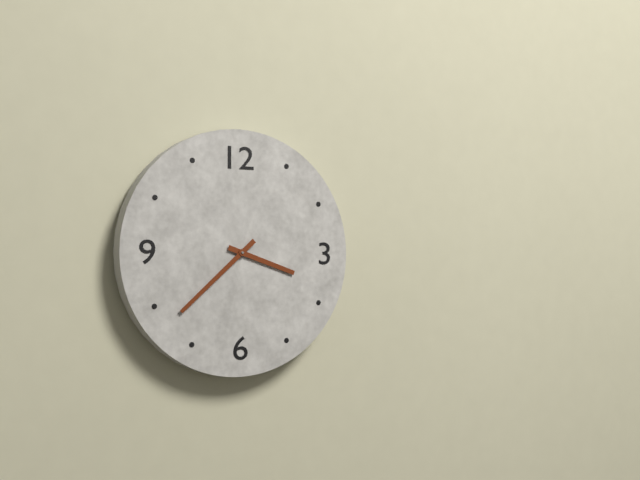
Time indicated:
{"hour": 3, "minute": 38}
